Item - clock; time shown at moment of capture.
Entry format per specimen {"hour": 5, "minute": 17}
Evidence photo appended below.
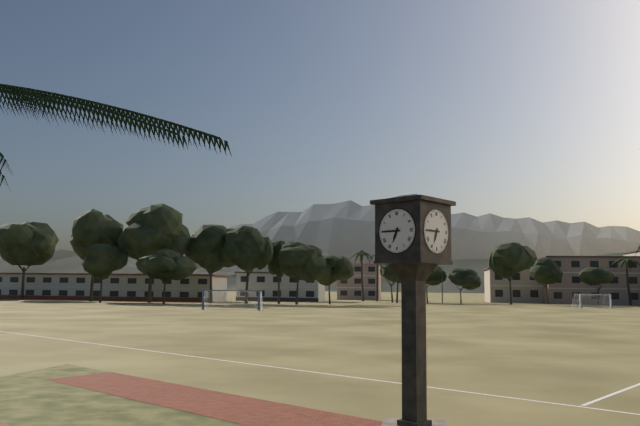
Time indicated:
{"hour": 6, "minute": 45}
